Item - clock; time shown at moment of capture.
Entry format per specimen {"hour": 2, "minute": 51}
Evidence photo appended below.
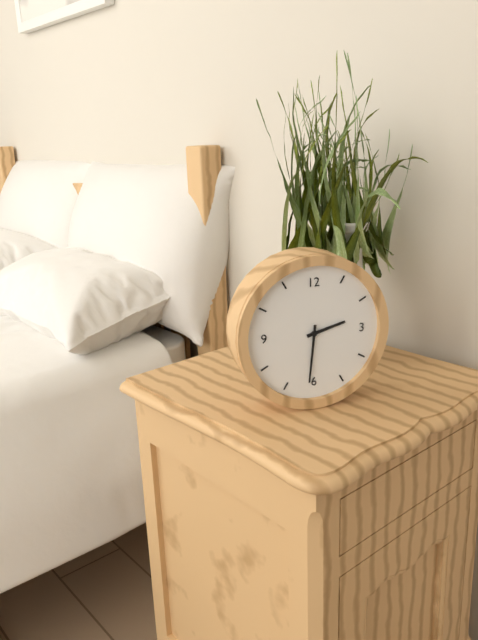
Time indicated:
{"hour": 2, "minute": 31}
